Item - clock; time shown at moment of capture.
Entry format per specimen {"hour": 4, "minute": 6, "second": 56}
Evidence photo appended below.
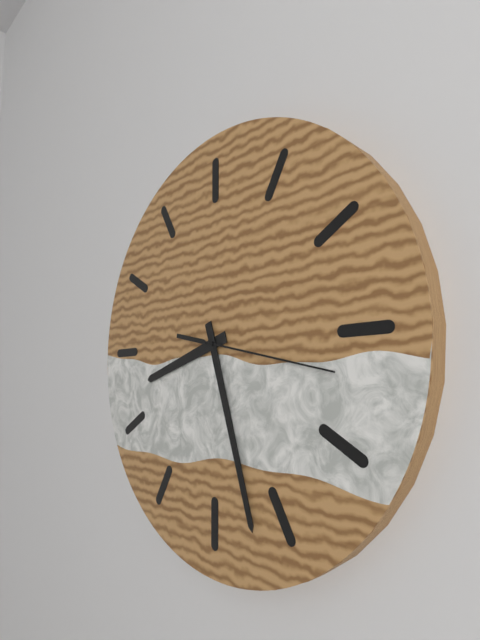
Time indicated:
{"hour": 8, "minute": 27, "second": 17}
